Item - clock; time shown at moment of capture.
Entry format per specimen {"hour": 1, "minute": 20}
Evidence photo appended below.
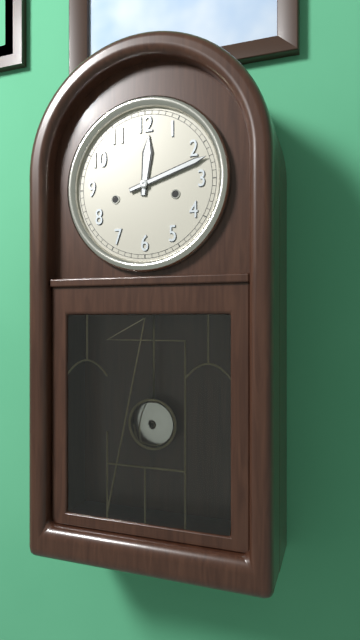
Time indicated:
{"hour": 12, "minute": 12}
